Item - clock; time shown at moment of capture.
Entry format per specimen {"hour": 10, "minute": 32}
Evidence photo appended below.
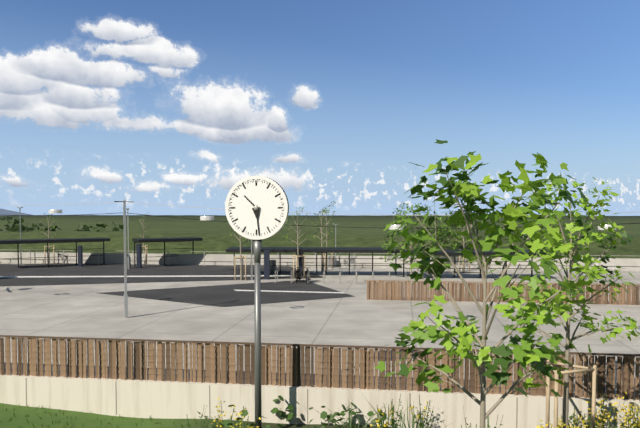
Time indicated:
{"hour": 10, "minute": 29}
